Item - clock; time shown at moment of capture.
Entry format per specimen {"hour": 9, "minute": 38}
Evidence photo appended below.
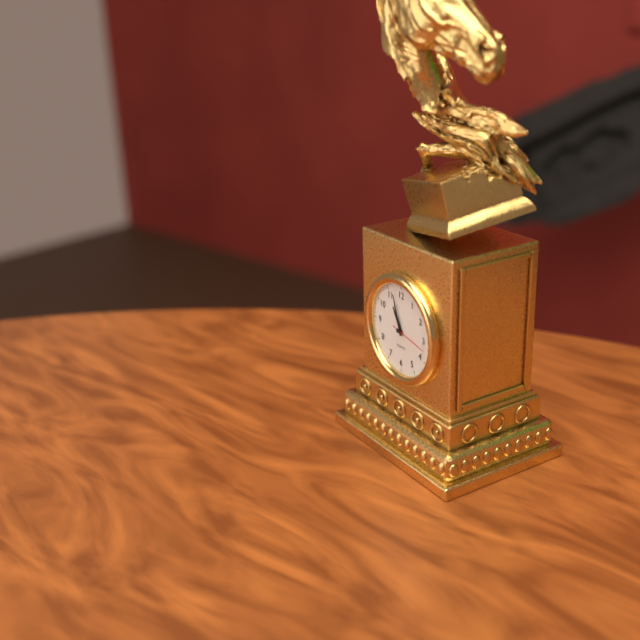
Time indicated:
{"hour": 10, "minute": 57}
